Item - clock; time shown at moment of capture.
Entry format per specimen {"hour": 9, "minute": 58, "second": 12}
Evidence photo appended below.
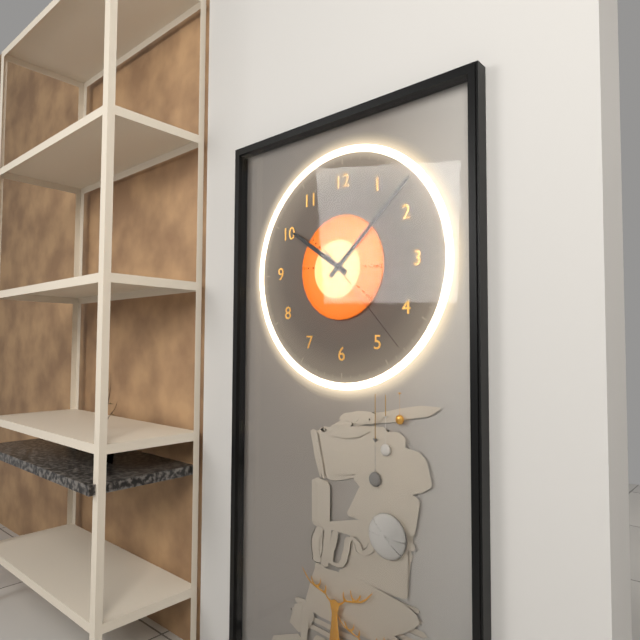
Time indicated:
{"hour": 10, "minute": 8, "second": 23}
